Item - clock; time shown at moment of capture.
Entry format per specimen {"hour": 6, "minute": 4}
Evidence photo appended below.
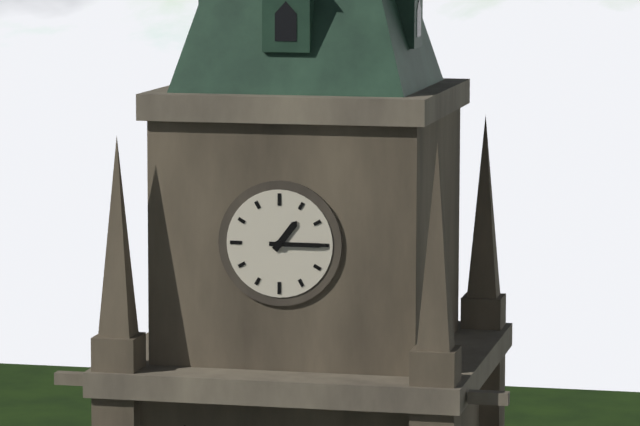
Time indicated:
{"hour": 1, "minute": 15}
